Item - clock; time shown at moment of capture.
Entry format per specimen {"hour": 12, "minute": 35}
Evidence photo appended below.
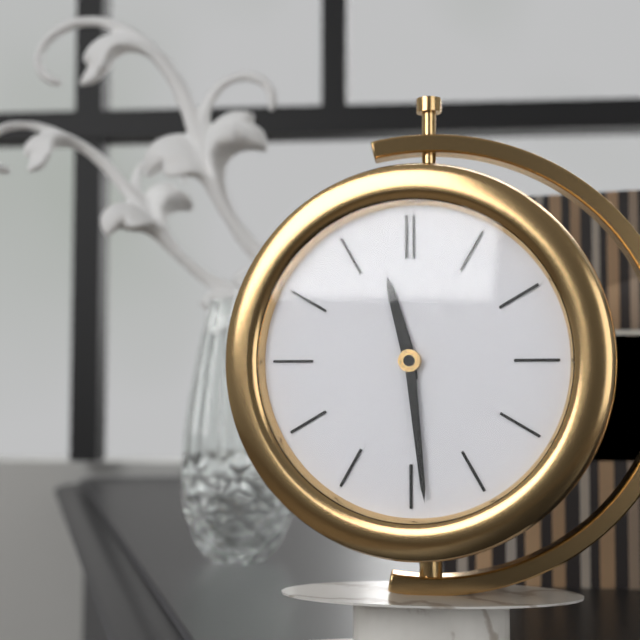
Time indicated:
{"hour": 11, "minute": 29}
